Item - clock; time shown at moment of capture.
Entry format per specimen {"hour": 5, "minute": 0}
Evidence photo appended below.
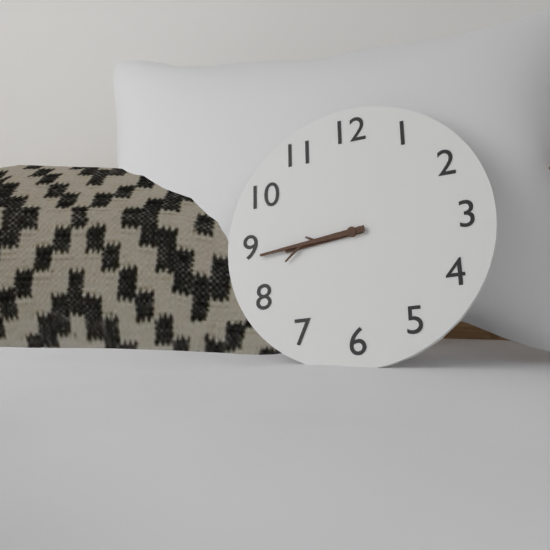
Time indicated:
{"hour": 8, "minute": 44}
